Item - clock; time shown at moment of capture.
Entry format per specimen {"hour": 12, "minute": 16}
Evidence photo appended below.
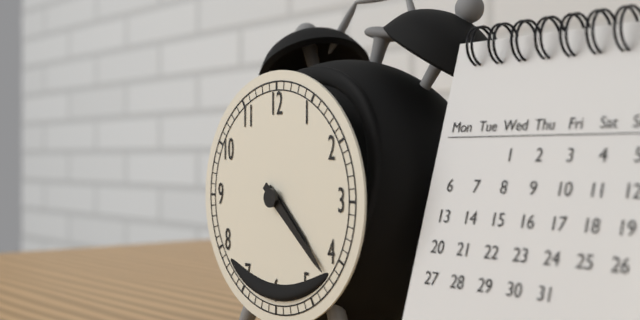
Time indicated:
{"hour": 4, "minute": 22}
